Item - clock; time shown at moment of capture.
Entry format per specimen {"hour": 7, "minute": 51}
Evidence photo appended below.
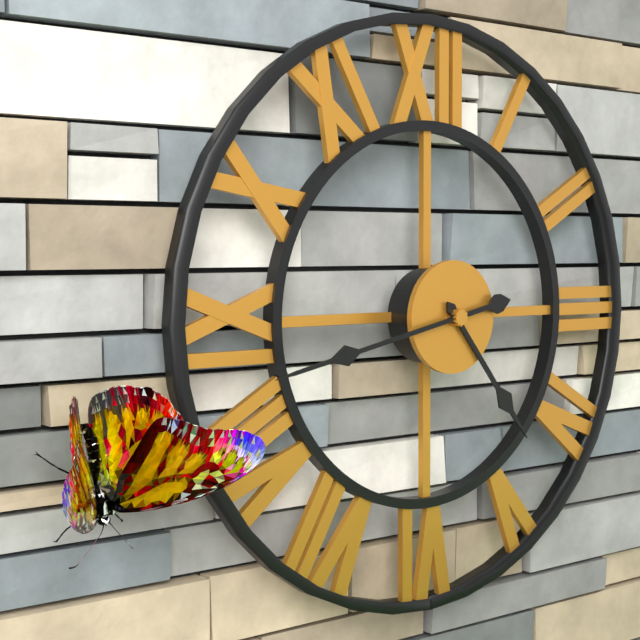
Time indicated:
{"hour": 4, "minute": 43}
